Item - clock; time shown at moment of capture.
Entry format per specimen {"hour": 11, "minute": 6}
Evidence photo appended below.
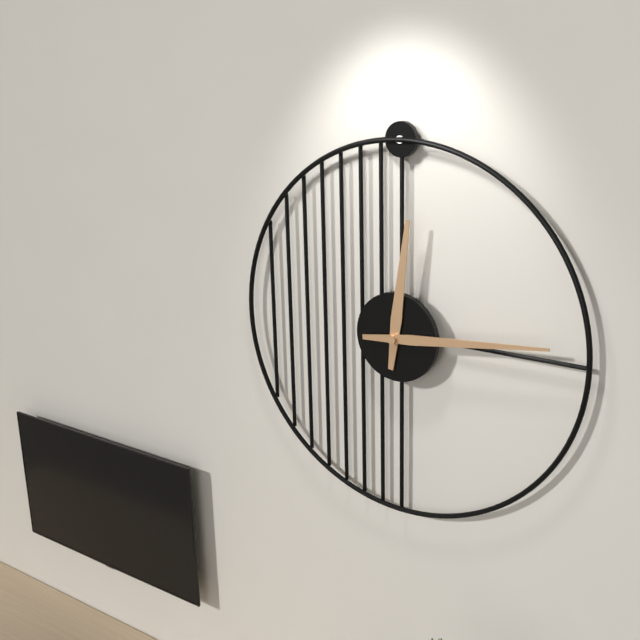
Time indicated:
{"hour": 12, "minute": 14}
